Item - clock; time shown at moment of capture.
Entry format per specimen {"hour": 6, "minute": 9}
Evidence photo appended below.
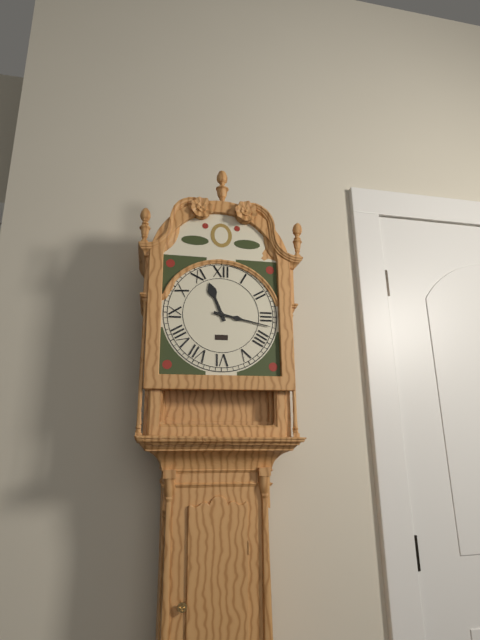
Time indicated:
{"hour": 11, "minute": 17}
